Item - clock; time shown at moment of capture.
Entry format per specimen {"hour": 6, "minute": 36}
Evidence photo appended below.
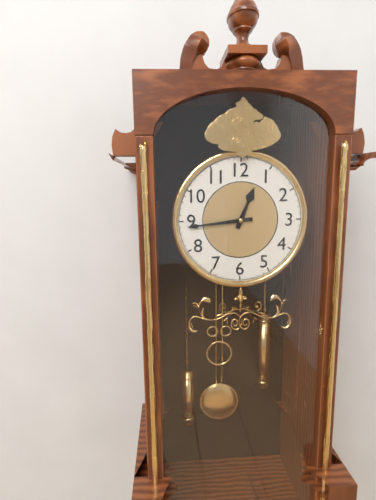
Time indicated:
{"hour": 12, "minute": 44}
